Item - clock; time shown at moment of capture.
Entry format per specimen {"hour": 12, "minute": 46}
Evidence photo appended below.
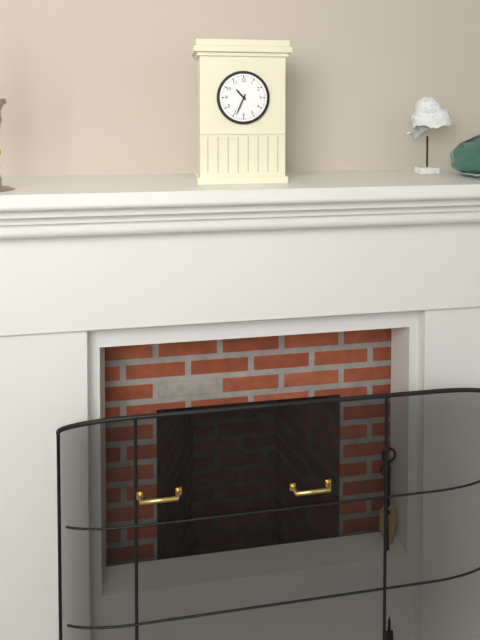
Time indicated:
{"hour": 10, "minute": 34}
